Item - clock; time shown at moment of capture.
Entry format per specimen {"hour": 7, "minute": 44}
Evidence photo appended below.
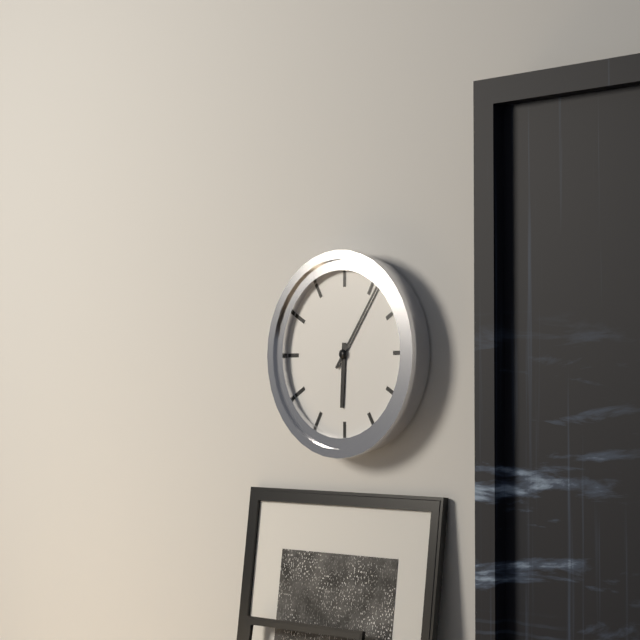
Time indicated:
{"hour": 6, "minute": 6}
